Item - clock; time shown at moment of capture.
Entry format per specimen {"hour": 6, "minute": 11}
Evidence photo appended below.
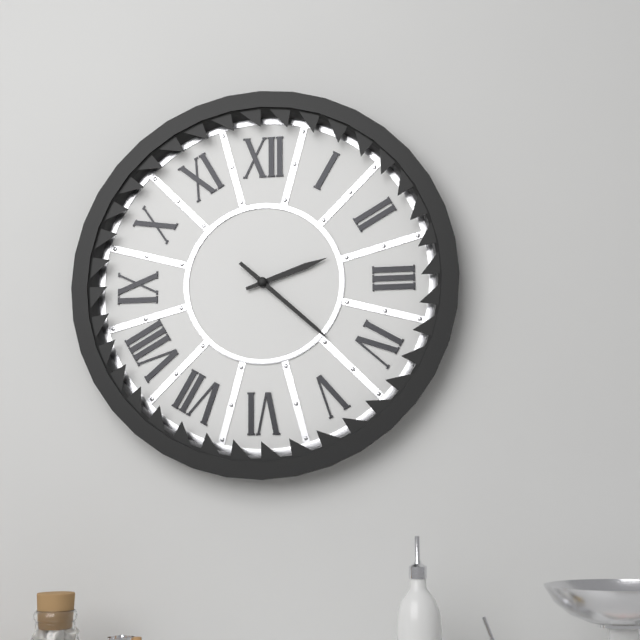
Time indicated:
{"hour": 2, "minute": 22}
